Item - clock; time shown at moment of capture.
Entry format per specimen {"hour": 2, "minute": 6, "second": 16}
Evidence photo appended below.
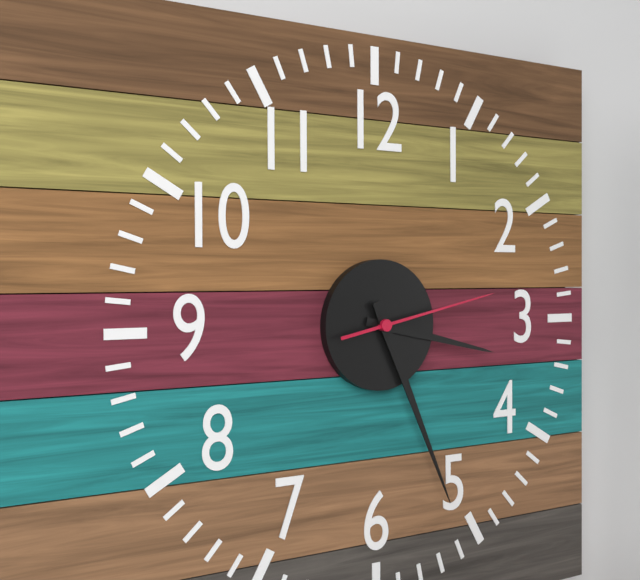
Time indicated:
{"hour": 3, "minute": 26, "second": 13}
